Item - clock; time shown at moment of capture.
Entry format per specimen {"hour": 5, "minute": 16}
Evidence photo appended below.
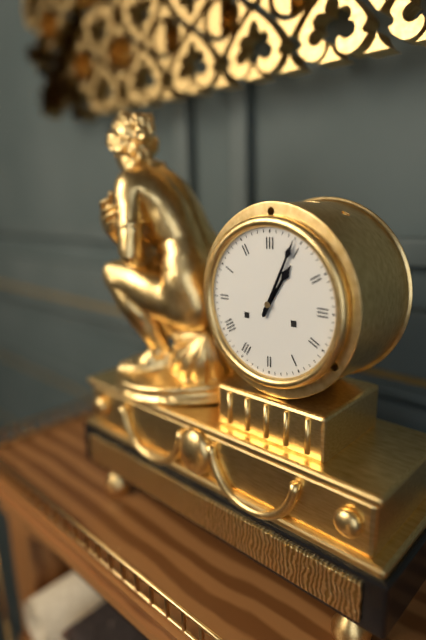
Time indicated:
{"hour": 1, "minute": 4}
